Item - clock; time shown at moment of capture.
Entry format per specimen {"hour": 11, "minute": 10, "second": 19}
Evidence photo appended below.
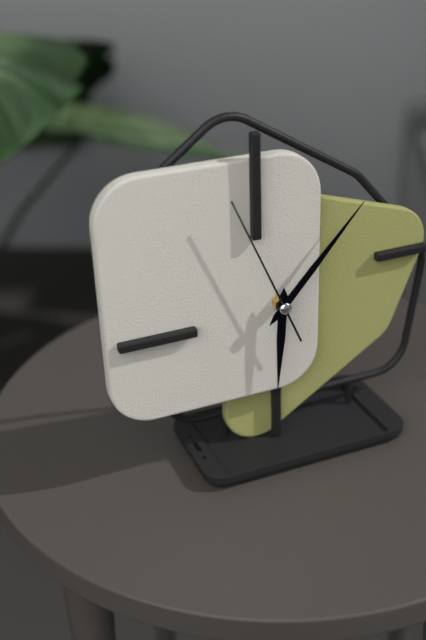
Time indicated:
{"hour": 6, "minute": 7, "second": 56}
